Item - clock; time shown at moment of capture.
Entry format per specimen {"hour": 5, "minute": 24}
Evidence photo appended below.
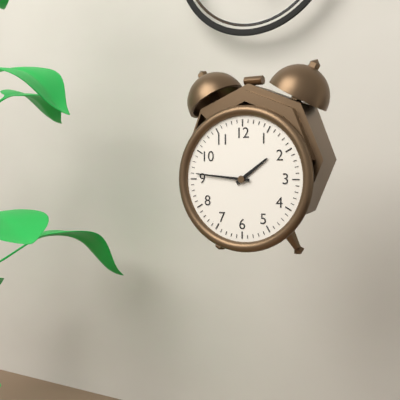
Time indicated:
{"hour": 1, "minute": 46}
